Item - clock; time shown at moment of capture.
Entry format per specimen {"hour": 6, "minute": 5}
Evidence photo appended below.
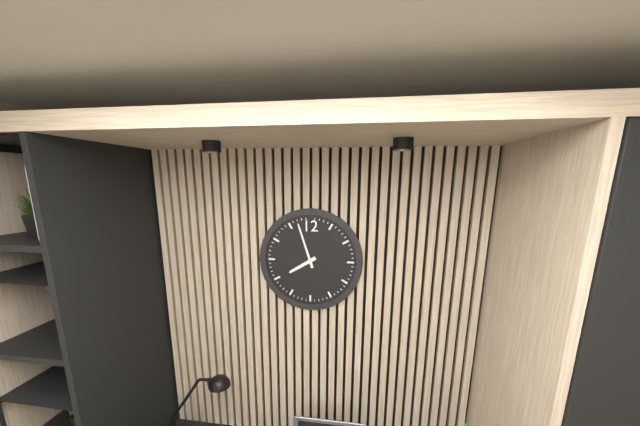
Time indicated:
{"hour": 7, "minute": 57}
